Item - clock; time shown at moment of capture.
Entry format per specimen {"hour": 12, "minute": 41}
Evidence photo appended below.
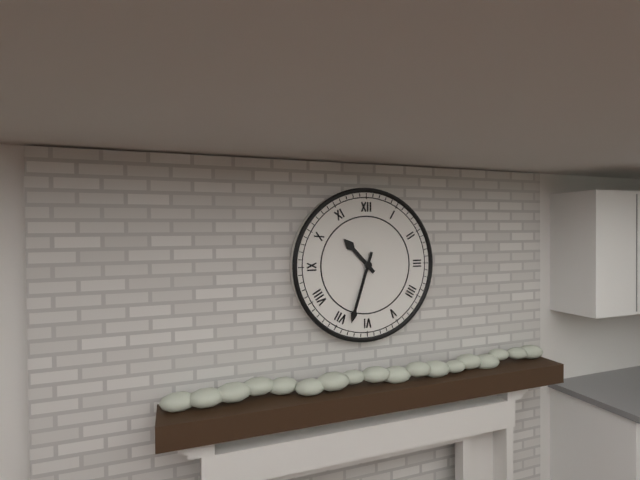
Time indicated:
{"hour": 10, "minute": 33}
